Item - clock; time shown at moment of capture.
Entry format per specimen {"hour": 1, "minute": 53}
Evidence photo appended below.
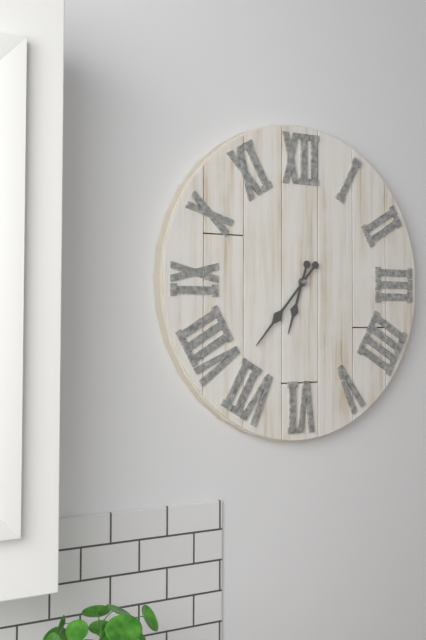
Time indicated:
{"hour": 6, "minute": 37}
